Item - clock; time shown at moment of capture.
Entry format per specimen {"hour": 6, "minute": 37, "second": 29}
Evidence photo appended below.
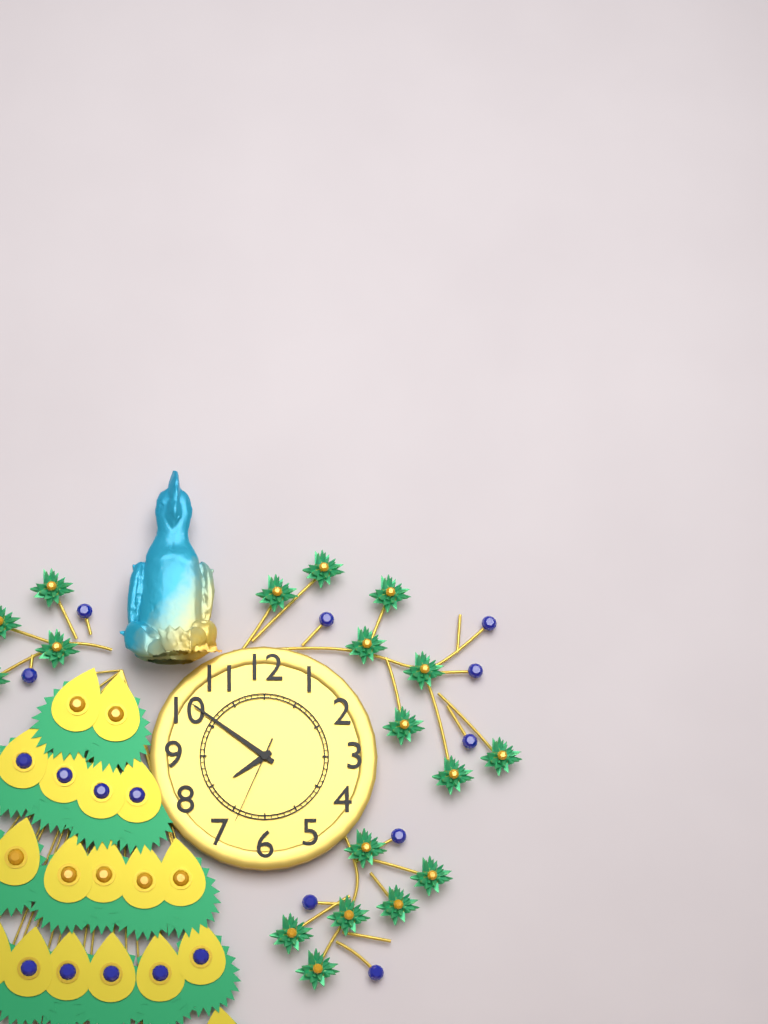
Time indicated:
{"hour": 7, "minute": 51, "second": 34}
